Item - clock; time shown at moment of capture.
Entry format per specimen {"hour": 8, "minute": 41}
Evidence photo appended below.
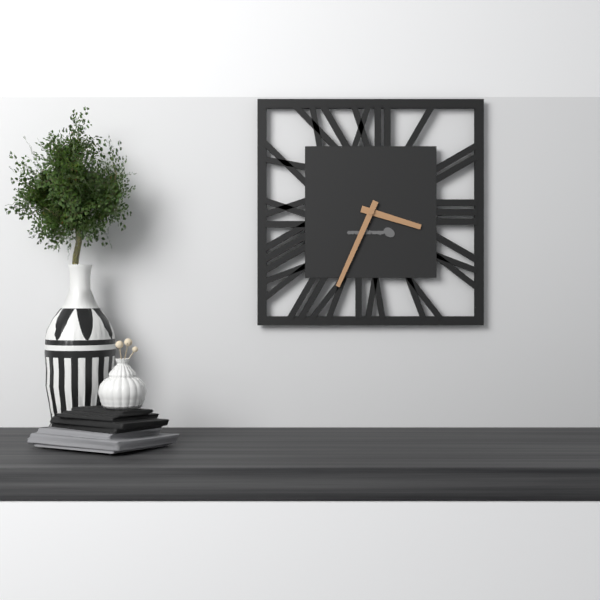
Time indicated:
{"hour": 3, "minute": 34}
